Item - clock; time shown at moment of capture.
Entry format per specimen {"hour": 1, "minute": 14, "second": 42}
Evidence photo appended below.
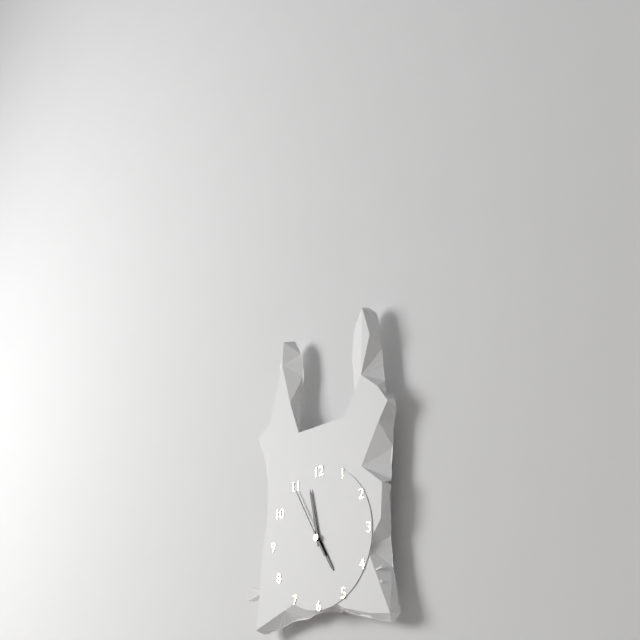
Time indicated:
{"hour": 4, "minute": 58, "second": 55}
